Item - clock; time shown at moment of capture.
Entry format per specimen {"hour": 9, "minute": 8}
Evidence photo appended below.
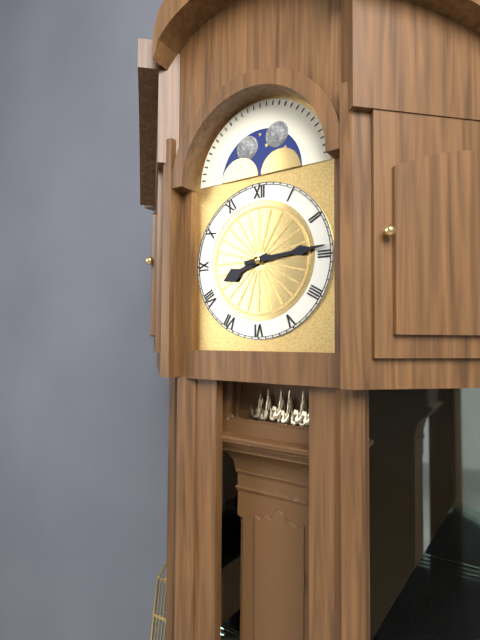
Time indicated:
{"hour": 8, "minute": 14}
